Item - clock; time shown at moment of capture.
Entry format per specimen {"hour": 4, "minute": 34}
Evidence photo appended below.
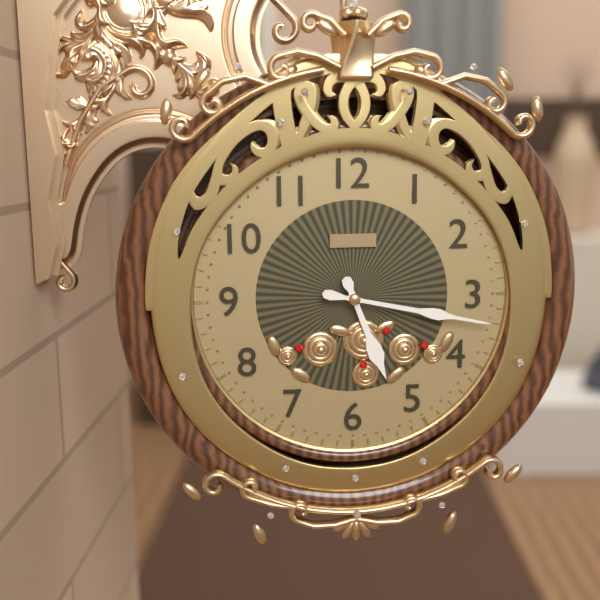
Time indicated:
{"hour": 5, "minute": 17}
